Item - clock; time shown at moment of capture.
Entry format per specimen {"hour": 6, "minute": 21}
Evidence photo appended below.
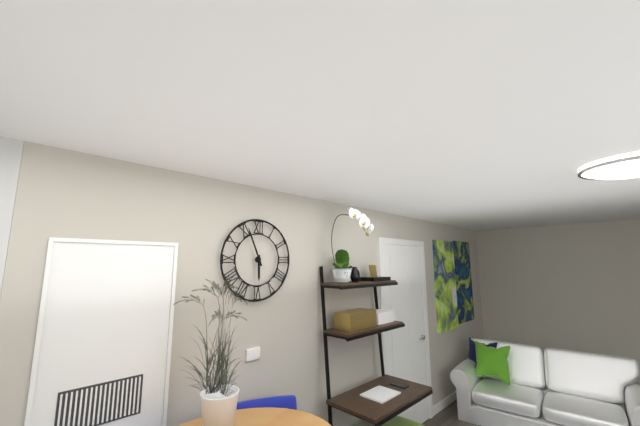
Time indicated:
{"hour": 5, "minute": 56}
